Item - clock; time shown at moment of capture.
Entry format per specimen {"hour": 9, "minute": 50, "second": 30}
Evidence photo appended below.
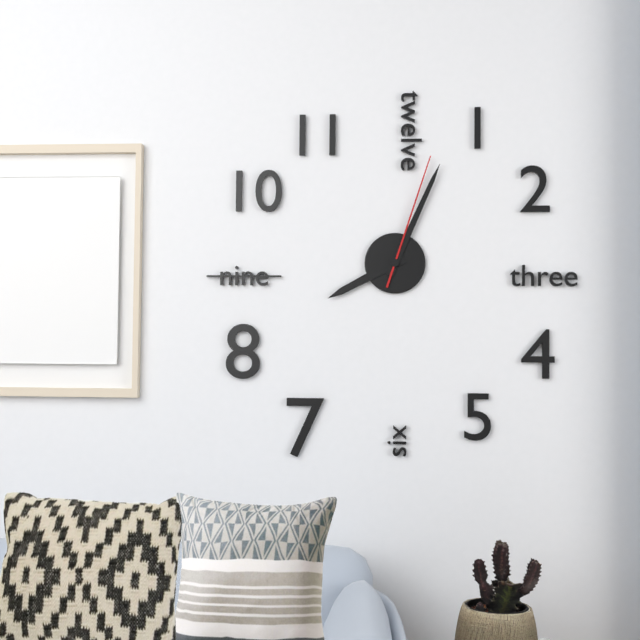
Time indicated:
{"hour": 8, "minute": 4, "second": 3}
